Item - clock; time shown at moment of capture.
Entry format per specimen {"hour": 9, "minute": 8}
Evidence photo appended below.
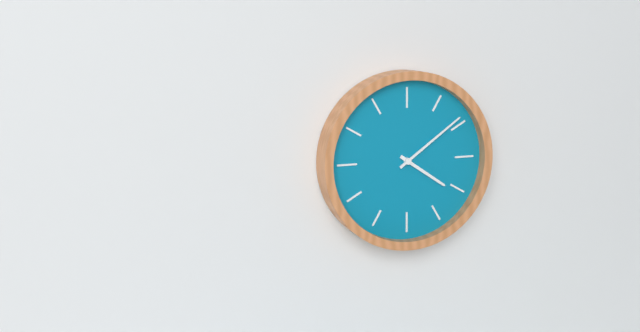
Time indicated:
{"hour": 4, "minute": 9}
